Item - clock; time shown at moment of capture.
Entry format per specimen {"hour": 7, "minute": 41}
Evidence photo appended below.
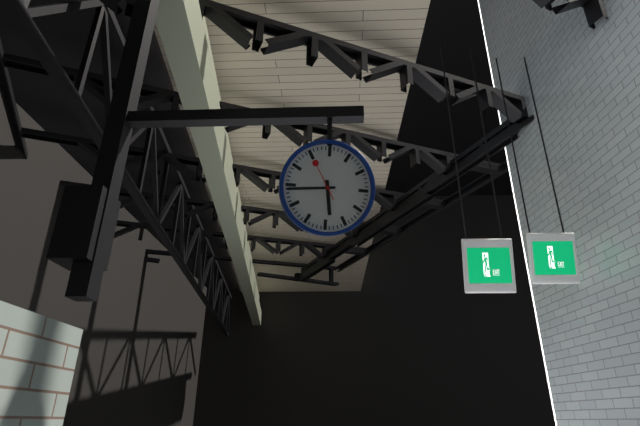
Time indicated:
{"hour": 5, "minute": 44}
